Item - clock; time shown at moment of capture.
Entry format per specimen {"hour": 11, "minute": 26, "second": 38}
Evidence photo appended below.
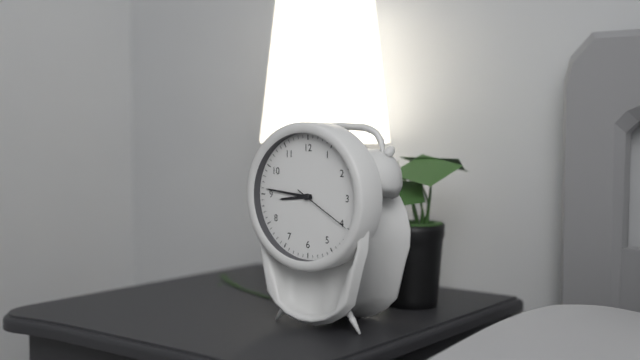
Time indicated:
{"hour": 8, "minute": 46, "second": 20}
